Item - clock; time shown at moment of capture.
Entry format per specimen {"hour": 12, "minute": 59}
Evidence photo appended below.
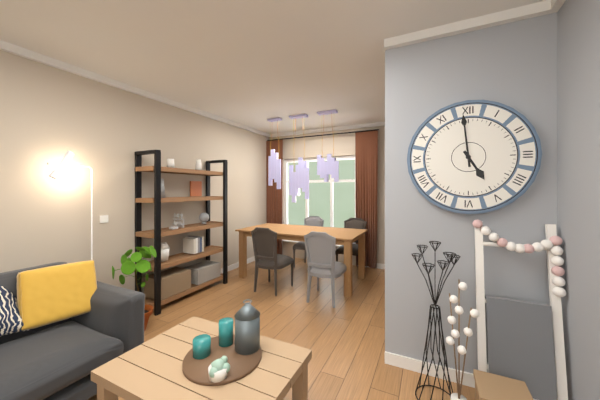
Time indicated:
{"hour": 4, "minute": 59}
